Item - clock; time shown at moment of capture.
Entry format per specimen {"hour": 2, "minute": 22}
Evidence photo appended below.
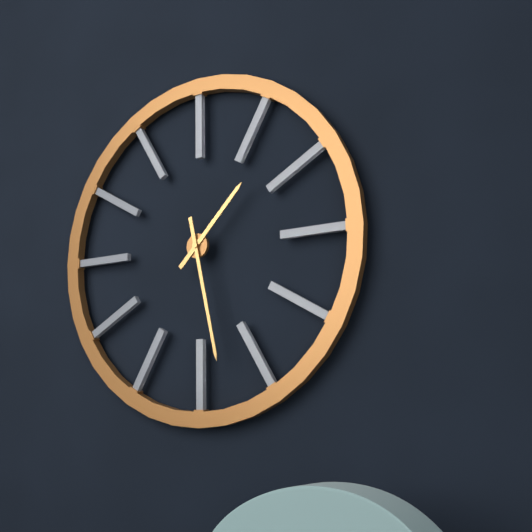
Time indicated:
{"hour": 1, "minute": 28}
